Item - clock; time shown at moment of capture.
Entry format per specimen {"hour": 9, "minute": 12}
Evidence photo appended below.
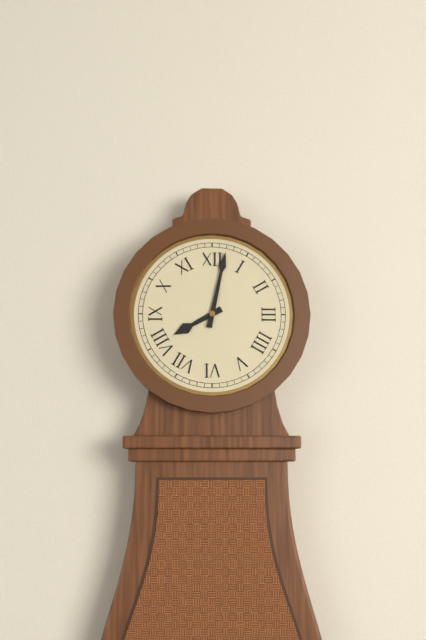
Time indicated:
{"hour": 8, "minute": 2}
